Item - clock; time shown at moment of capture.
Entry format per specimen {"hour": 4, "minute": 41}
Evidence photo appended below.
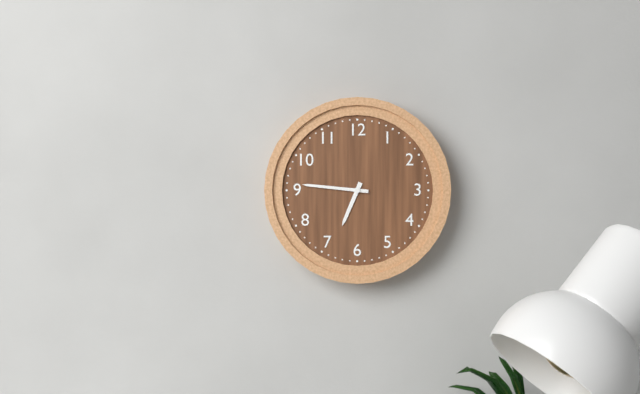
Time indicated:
{"hour": 6, "minute": 46}
